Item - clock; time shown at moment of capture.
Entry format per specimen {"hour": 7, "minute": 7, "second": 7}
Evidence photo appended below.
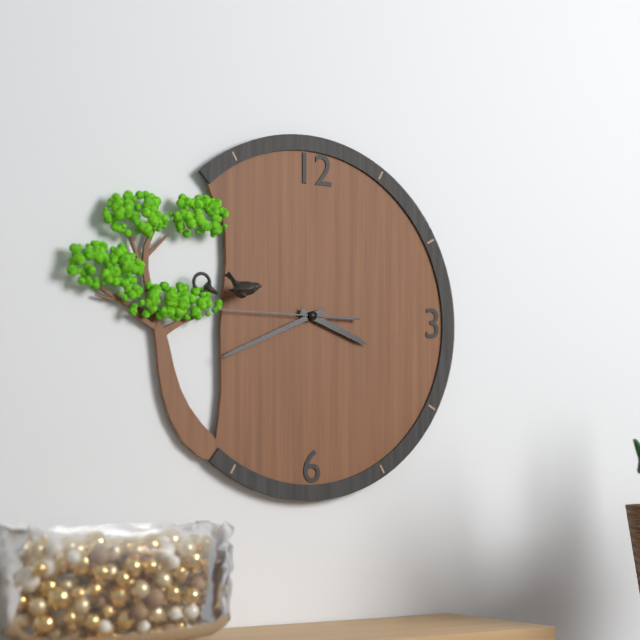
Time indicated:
{"hour": 3, "minute": 41, "second": 45}
